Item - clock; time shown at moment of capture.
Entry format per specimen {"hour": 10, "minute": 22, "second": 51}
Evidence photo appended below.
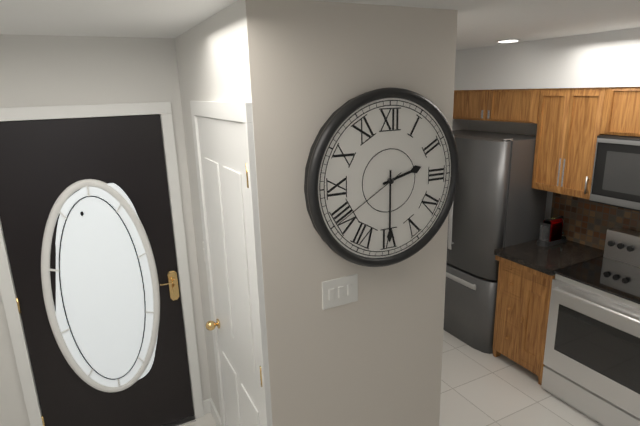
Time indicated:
{"hour": 2, "minute": 30, "second": 40}
